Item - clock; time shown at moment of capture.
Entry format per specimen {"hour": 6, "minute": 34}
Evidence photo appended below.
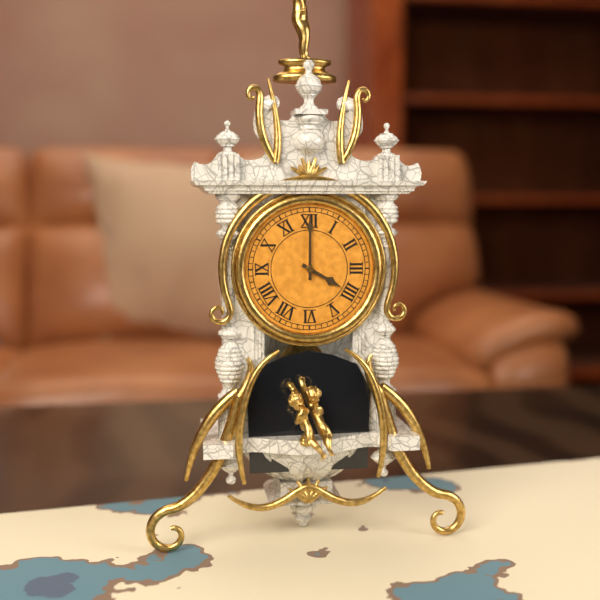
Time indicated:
{"hour": 4, "minute": 0}
